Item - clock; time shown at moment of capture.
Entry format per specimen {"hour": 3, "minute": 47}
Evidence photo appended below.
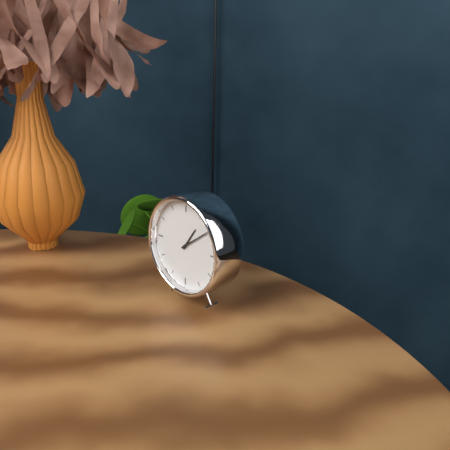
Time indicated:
{"hour": 1, "minute": 9}
